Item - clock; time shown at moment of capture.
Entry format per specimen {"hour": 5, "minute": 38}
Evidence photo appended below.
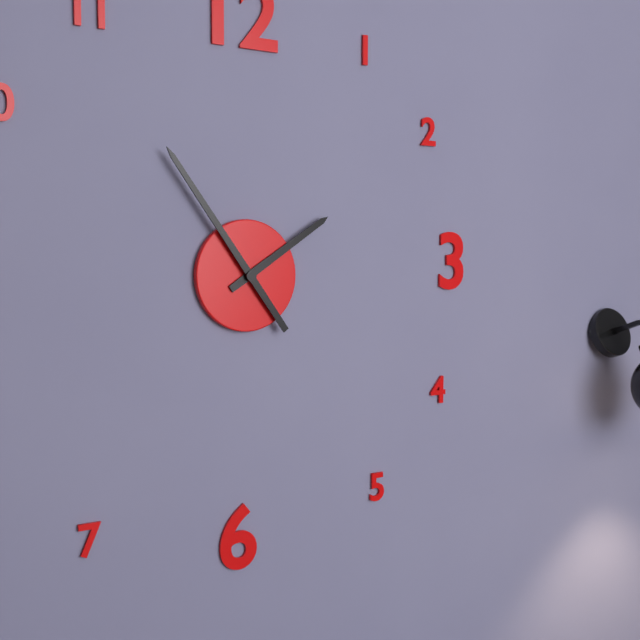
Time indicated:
{"hour": 1, "minute": 54}
